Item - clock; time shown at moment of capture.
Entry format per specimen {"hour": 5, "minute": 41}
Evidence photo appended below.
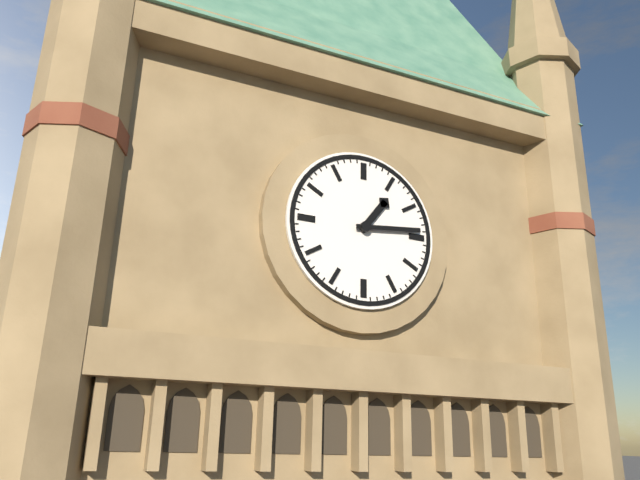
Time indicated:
{"hour": 1, "minute": 14}
